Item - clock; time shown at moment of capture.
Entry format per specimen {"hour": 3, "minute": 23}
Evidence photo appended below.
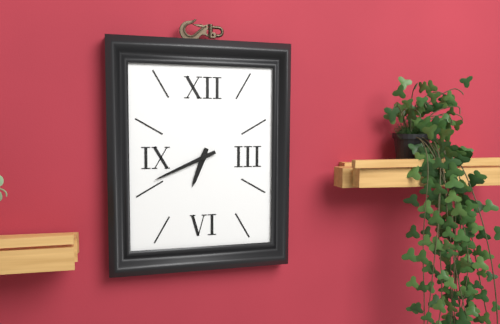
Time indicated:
{"hour": 6, "minute": 41}
